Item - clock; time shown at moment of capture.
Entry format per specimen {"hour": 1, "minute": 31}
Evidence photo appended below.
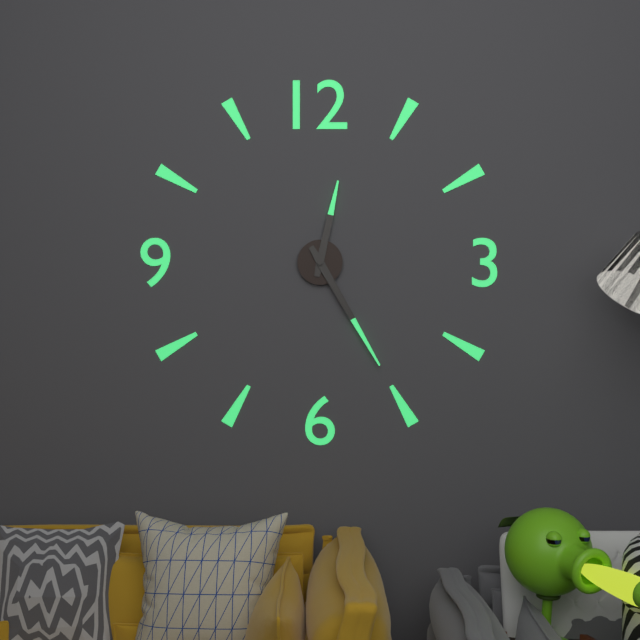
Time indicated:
{"hour": 12, "minute": 25}
